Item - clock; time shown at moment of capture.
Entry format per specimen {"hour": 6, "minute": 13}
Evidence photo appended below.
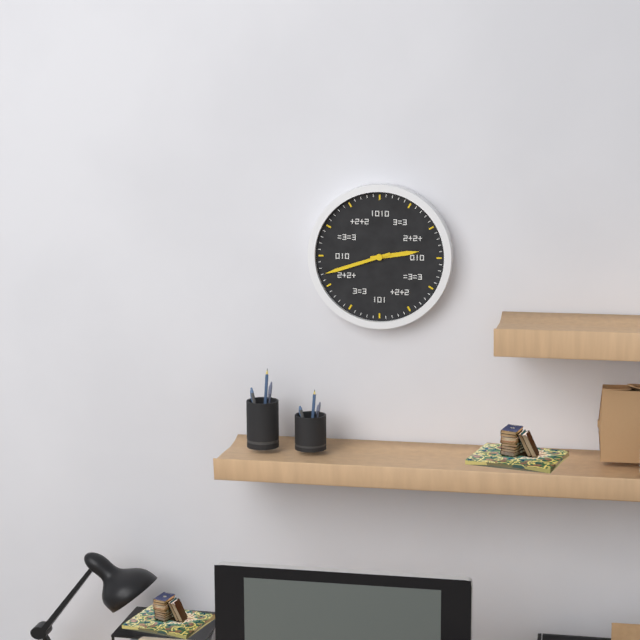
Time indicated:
{"hour": 2, "minute": 42}
